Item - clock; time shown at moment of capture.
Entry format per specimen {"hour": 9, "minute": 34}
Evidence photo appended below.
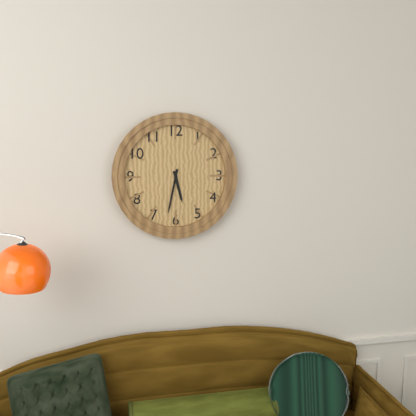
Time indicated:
{"hour": 5, "minute": 32}
